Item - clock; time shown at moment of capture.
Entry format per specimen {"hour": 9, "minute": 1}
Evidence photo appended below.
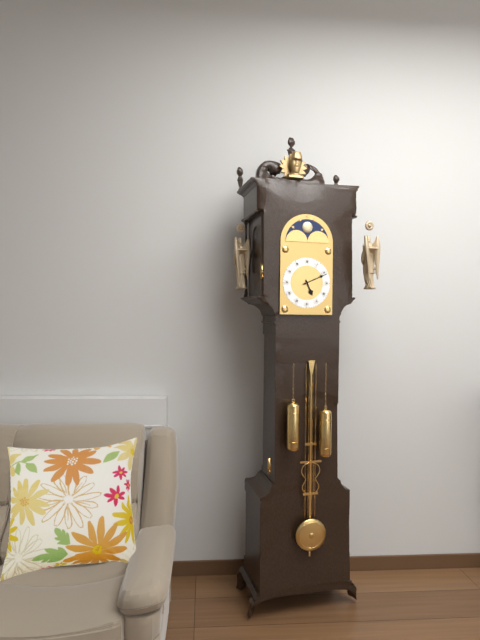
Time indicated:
{"hour": 5, "minute": 11}
